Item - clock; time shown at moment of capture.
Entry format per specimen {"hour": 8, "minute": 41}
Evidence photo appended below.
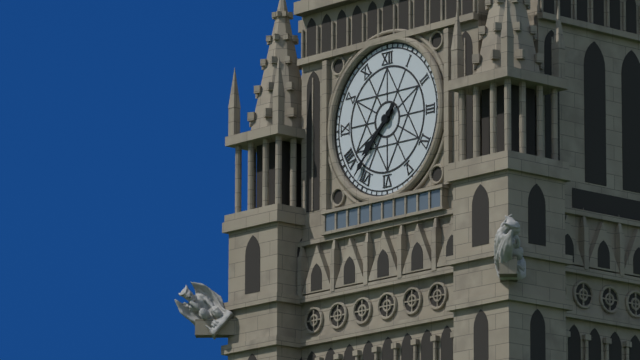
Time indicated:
{"hour": 7, "minute": 37}
